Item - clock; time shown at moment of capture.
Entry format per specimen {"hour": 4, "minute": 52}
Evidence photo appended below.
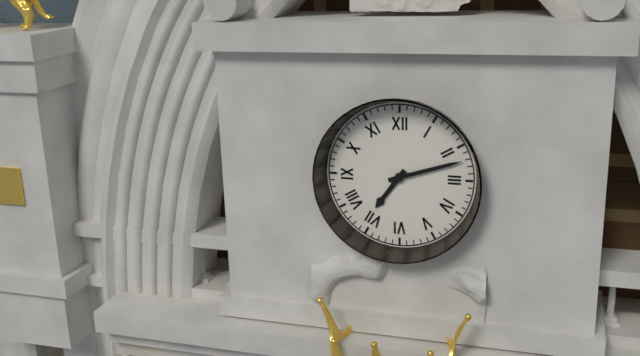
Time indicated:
{"hour": 7, "minute": 12}
